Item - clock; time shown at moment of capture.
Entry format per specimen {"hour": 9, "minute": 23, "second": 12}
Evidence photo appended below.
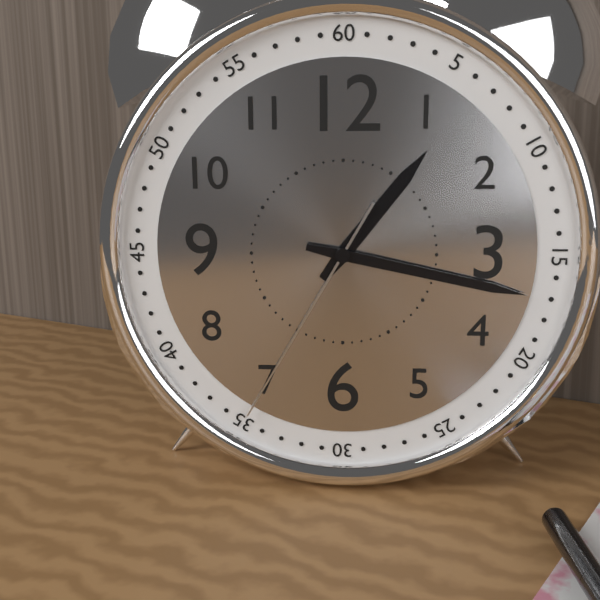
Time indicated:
{"hour": 1, "minute": 17, "second": 35}
